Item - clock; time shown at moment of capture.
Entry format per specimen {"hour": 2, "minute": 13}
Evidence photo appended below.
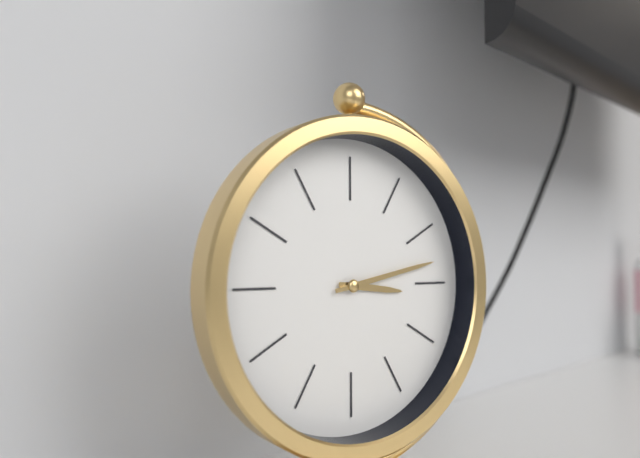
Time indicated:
{"hour": 3, "minute": 13}
